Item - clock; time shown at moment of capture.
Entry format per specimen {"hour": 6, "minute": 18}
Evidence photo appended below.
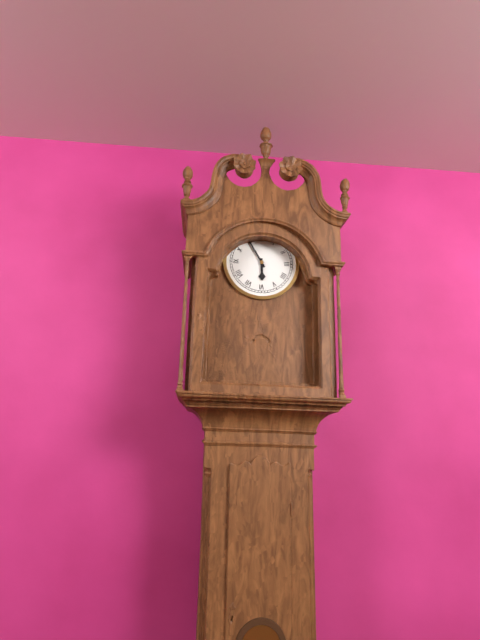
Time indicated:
{"hour": 5, "minute": 55}
